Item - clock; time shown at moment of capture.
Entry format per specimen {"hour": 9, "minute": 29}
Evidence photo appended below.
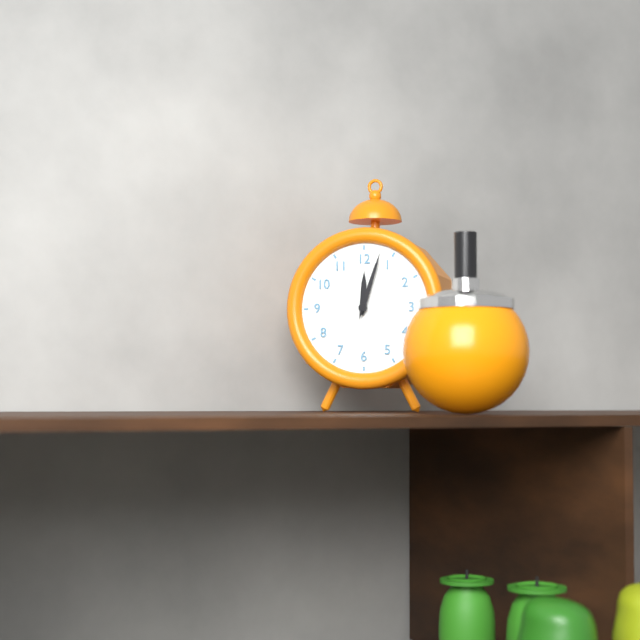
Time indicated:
{"hour": 12, "minute": 3}
